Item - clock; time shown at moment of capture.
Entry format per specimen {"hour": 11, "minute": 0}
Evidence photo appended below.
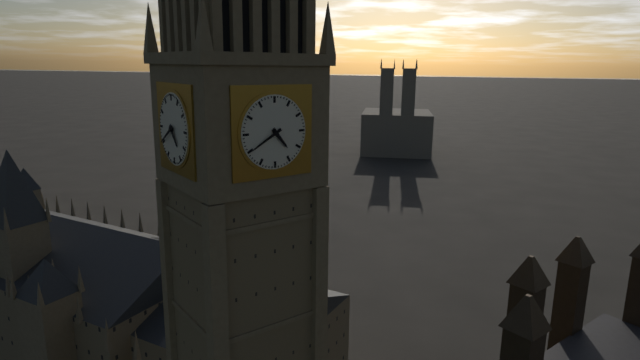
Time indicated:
{"hour": 4, "minute": 40}
